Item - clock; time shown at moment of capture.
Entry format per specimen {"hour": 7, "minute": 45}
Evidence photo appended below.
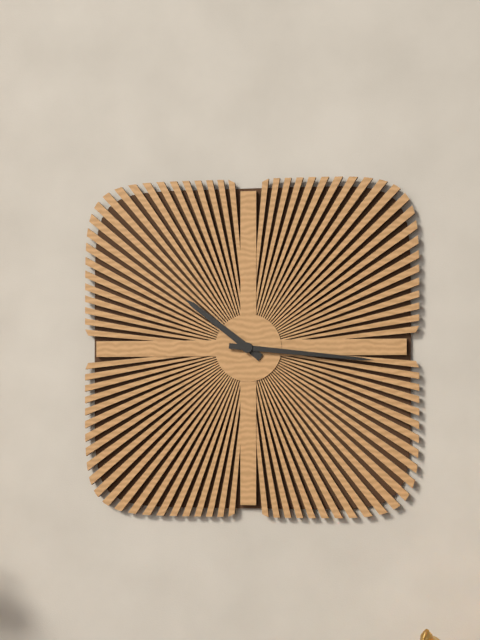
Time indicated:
{"hour": 10, "minute": 16}
